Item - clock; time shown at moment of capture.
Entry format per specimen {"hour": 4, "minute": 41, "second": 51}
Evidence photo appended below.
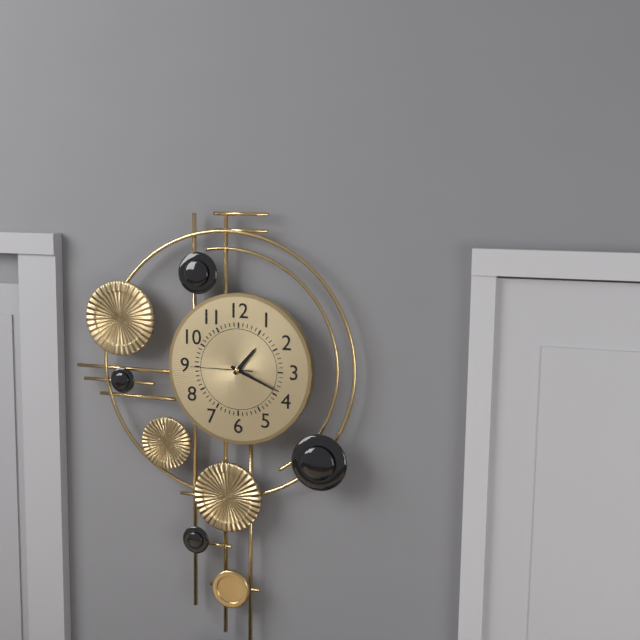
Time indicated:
{"hour": 1, "minute": 19, "second": 45}
